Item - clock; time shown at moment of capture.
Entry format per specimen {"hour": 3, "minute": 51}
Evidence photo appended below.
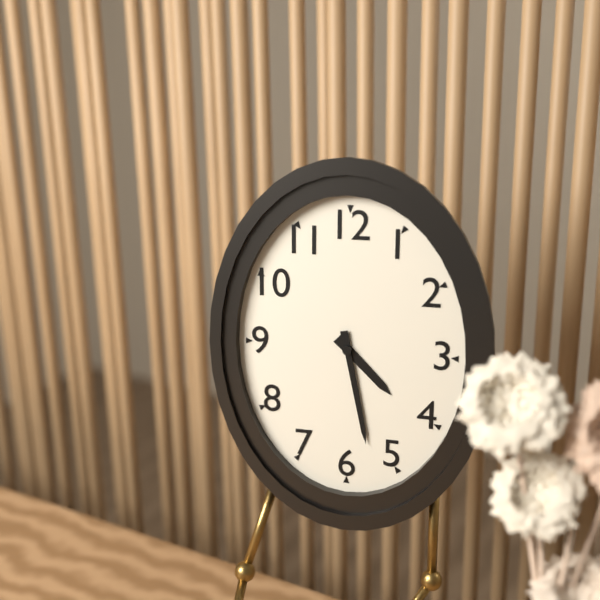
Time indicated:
{"hour": 4, "minute": 28}
